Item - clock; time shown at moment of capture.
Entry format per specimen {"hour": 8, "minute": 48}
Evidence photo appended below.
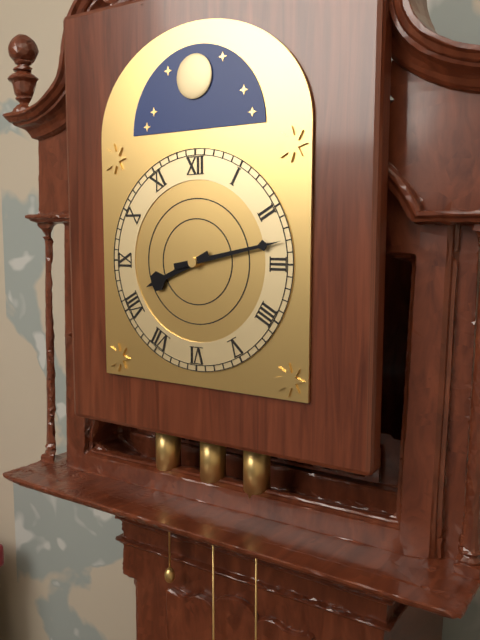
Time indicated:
{"hour": 8, "minute": 13}
